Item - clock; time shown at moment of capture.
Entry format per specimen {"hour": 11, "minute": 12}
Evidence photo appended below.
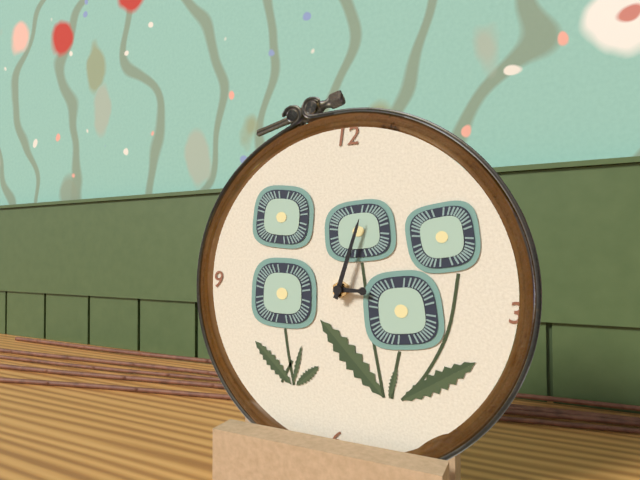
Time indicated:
{"hour": 3, "minute": 3}
